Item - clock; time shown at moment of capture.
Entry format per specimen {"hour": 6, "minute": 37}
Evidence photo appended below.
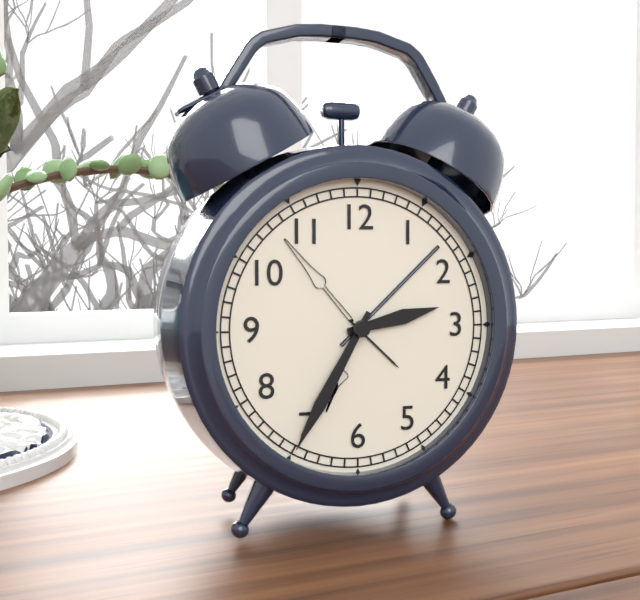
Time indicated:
{"hour": 2, "minute": 35}
